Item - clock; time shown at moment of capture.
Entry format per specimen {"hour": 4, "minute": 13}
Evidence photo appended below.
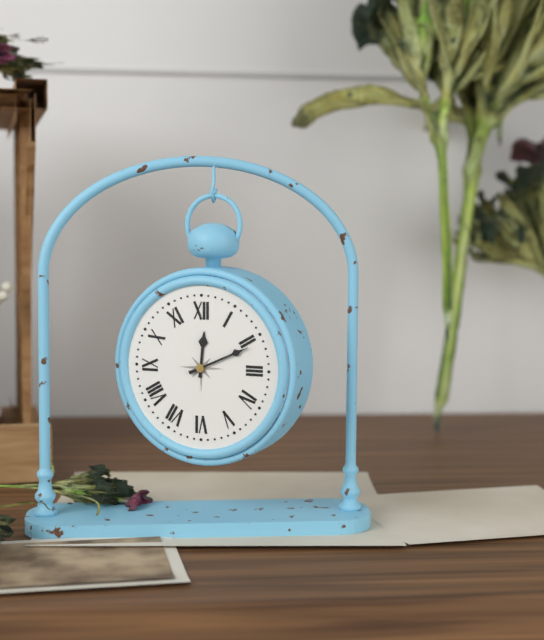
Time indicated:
{"hour": 12, "minute": 11}
